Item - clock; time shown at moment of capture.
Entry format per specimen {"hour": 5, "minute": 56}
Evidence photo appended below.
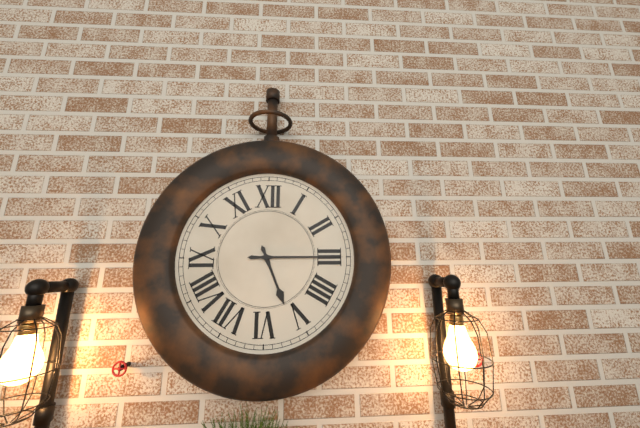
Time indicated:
{"hour": 5, "minute": 15}
